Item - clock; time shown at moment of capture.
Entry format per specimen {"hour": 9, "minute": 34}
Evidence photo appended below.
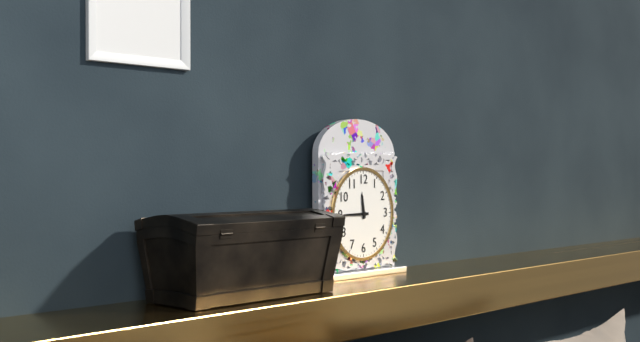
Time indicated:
{"hour": 11, "minute": 45}
